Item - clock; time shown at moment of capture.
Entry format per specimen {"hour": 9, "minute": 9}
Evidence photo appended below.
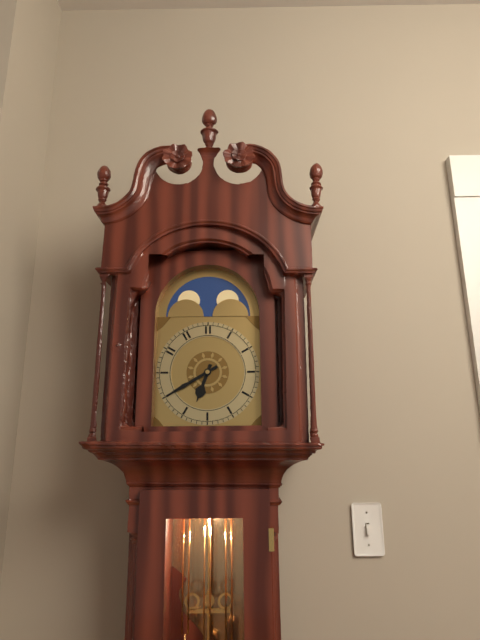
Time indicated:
{"hour": 6, "minute": 40}
